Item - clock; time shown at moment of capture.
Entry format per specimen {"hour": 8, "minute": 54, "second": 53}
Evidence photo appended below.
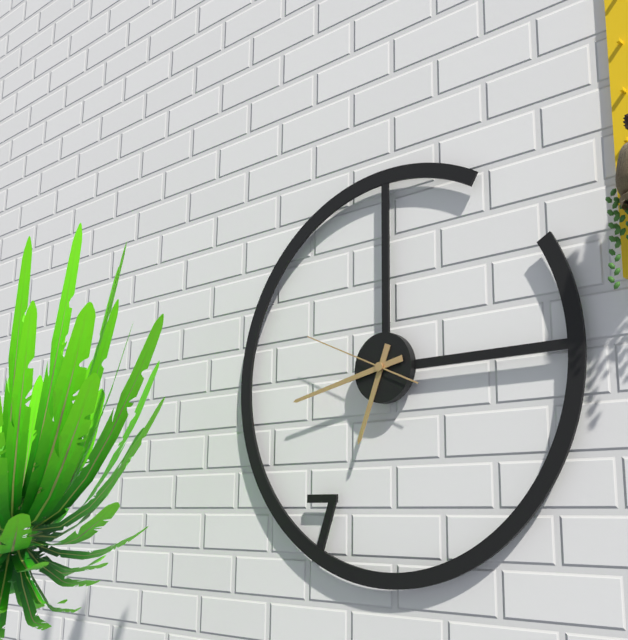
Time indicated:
{"hour": 6, "minute": 43, "second": 49}
